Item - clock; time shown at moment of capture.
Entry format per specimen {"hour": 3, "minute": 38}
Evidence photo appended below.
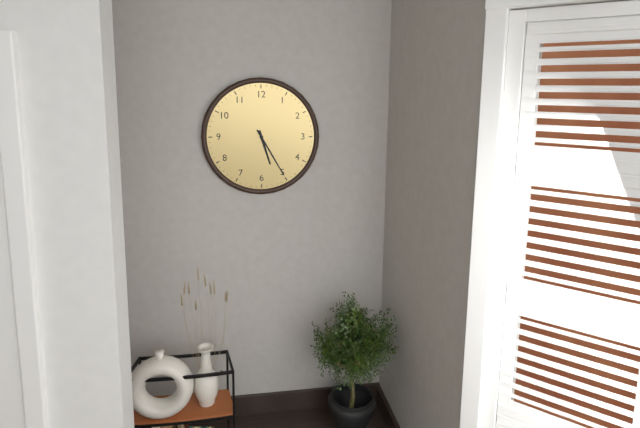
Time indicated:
{"hour": 5, "minute": 25}
